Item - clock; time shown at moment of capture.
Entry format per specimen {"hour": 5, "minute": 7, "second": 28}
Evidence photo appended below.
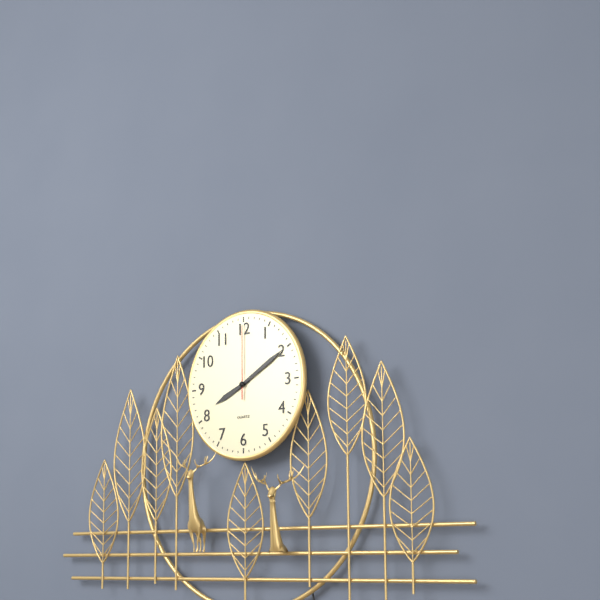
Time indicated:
{"hour": 8, "minute": 10, "second": 0}
